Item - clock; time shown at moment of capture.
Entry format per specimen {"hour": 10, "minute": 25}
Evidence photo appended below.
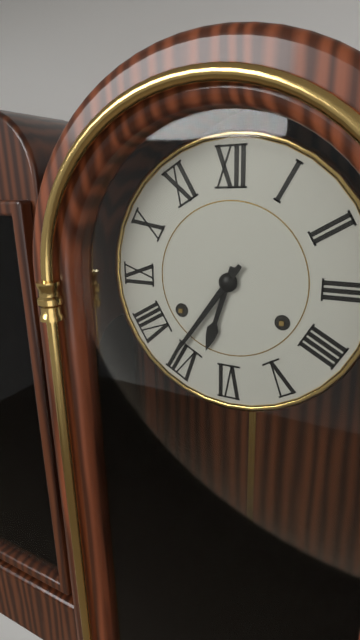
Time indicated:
{"hour": 6, "minute": 36}
